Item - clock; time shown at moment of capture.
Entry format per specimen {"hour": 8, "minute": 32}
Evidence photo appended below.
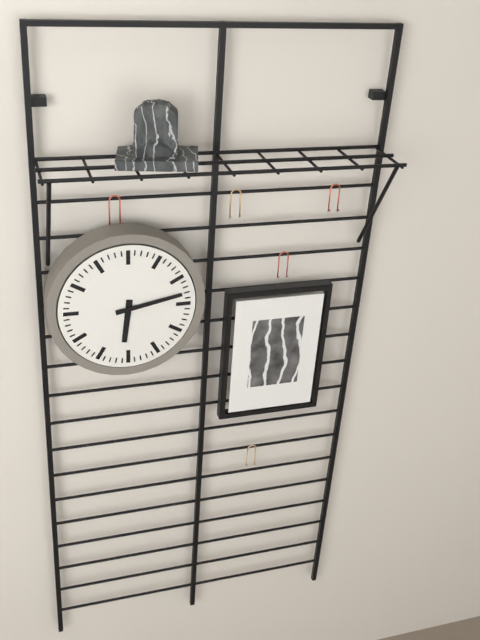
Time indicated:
{"hour": 6, "minute": 13}
